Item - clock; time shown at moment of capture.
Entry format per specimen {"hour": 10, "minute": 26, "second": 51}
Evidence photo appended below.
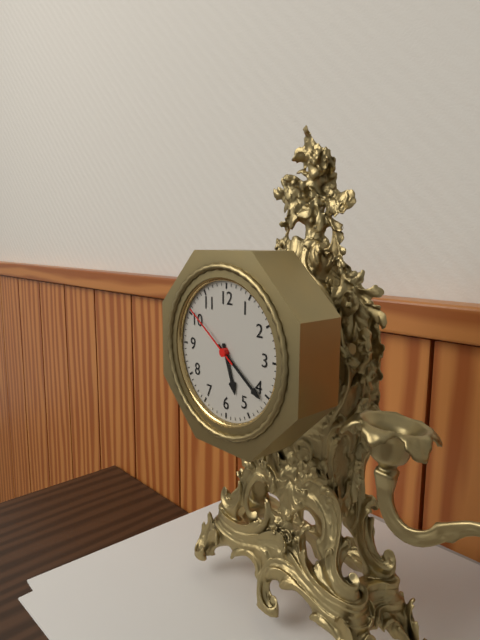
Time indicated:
{"hour": 5, "minute": 21, "second": 51}
